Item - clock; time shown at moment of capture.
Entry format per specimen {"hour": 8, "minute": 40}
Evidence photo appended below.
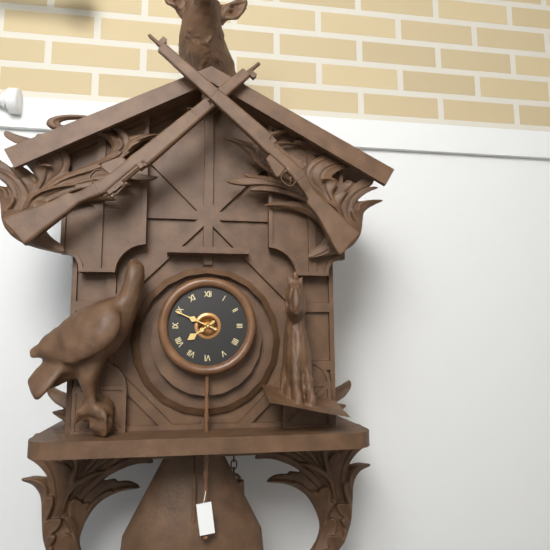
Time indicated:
{"hour": 7, "minute": 49}
